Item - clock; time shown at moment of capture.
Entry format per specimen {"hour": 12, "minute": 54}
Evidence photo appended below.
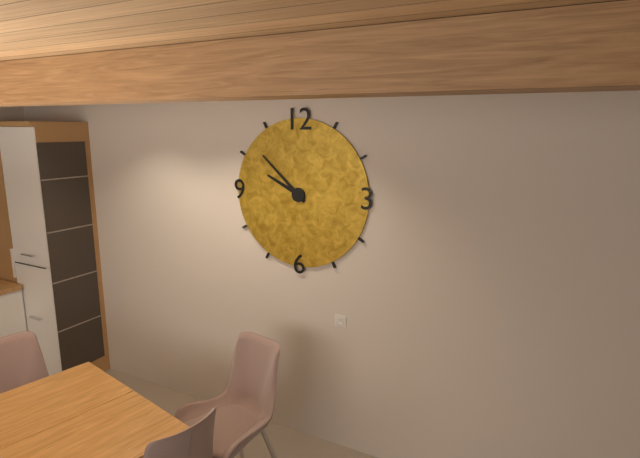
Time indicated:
{"hour": 9, "minute": 52}
